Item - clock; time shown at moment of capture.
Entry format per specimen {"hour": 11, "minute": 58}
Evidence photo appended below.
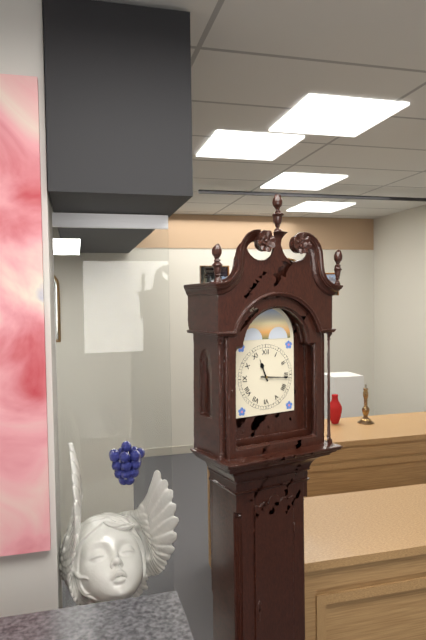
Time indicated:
{"hour": 11, "minute": 16}
